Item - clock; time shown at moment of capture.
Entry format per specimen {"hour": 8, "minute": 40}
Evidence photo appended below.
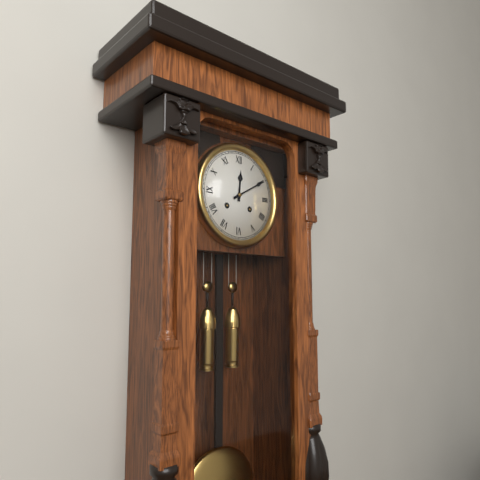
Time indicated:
{"hour": 12, "minute": 10}
